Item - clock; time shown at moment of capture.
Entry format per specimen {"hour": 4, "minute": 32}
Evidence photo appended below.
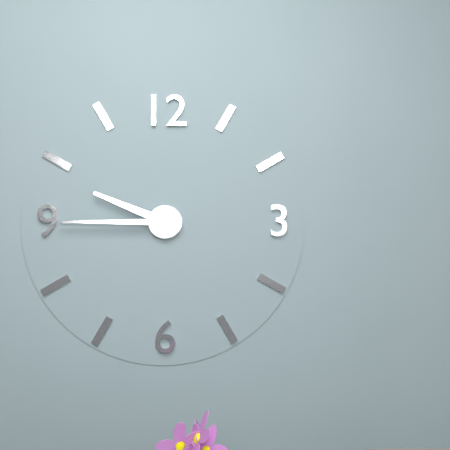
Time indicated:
{"hour": 9, "minute": 45}
